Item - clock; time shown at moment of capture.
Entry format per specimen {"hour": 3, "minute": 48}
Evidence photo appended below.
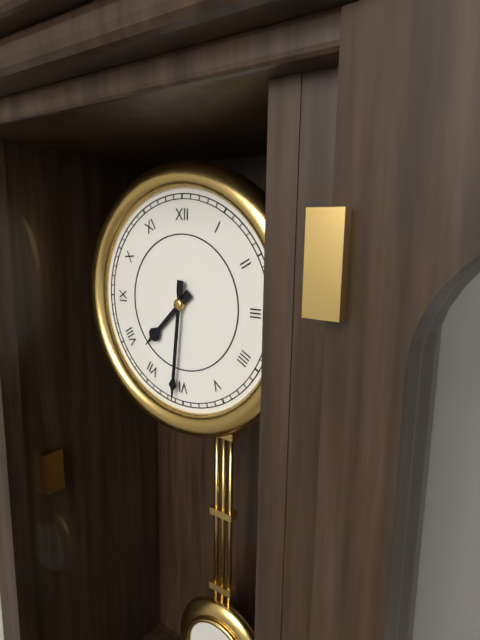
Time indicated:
{"hour": 7, "minute": 31}
